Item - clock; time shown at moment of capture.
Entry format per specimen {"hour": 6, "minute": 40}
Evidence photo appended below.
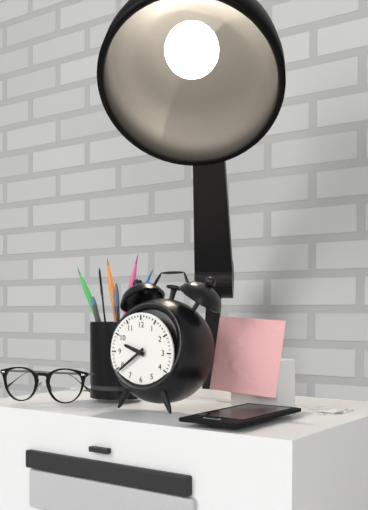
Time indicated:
{"hour": 9, "minute": 39}
